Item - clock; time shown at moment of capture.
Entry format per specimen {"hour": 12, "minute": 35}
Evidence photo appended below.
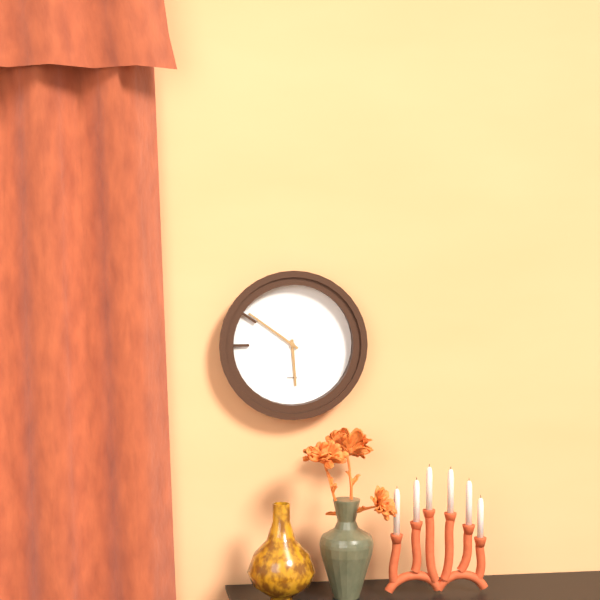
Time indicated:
{"hour": 5, "minute": 51}
